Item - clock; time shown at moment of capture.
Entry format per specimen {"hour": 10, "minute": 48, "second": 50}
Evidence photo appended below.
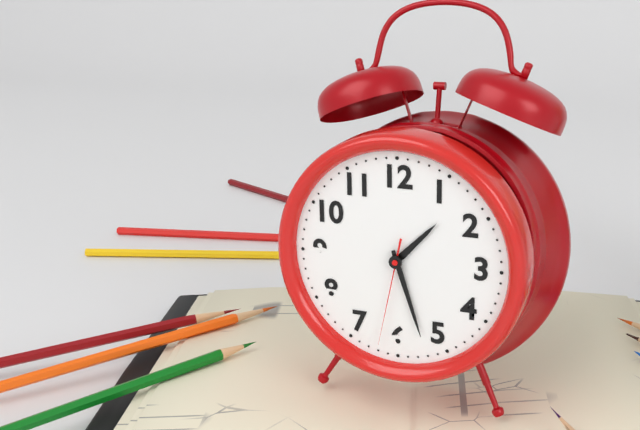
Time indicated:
{"hour": 1, "minute": 27, "second": 32}
